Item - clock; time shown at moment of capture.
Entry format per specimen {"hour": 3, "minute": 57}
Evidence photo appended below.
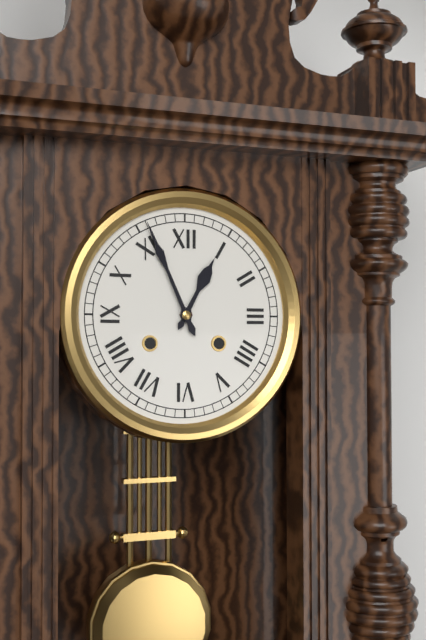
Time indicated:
{"hour": 12, "minute": 56}
